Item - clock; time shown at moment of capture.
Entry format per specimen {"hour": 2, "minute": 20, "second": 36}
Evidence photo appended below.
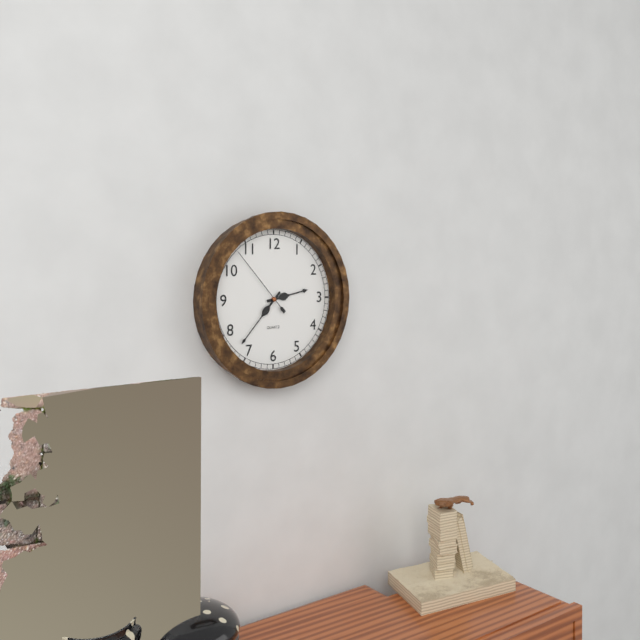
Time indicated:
{"hour": 2, "minute": 37, "second": 53}
